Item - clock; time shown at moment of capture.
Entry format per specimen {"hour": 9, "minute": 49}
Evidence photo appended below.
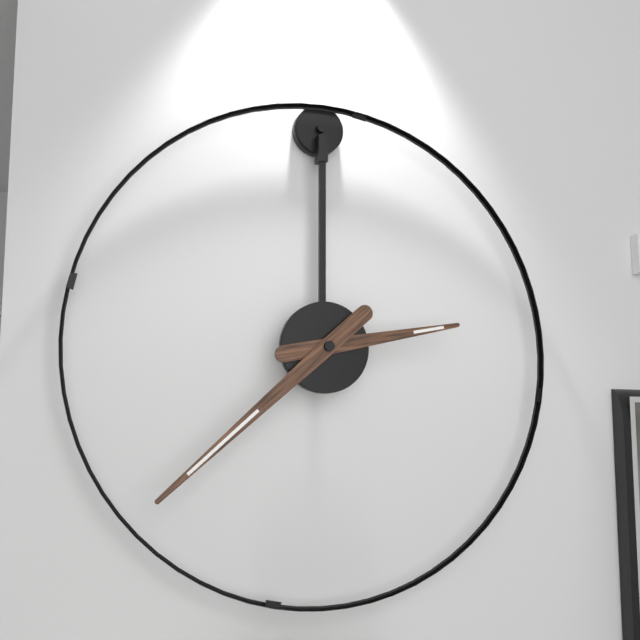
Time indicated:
{"hour": 2, "minute": 38}
